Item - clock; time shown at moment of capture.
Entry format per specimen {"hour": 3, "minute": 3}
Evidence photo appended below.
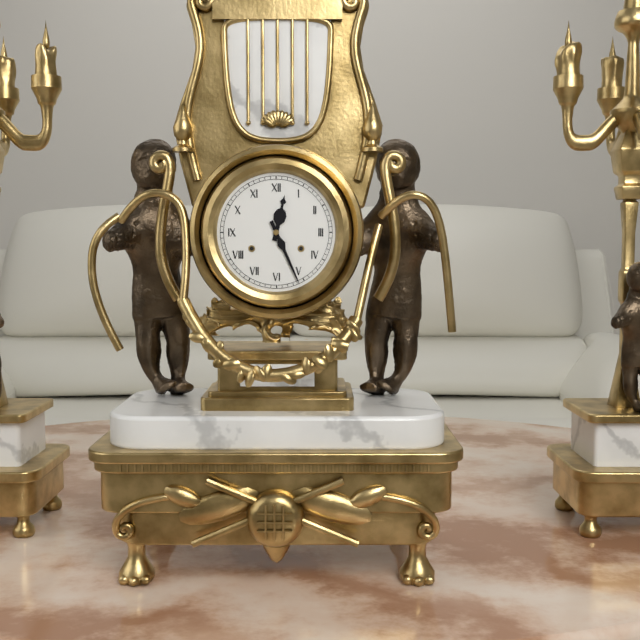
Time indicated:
{"hour": 12, "minute": 26}
